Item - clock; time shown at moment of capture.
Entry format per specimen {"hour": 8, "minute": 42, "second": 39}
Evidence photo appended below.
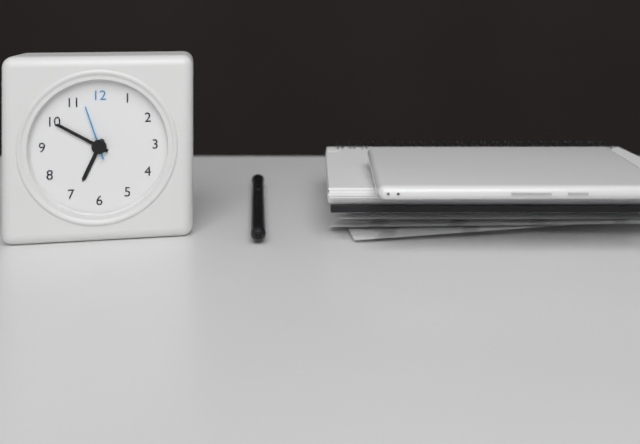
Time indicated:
{"hour": 6, "minute": 50, "second": 57}
